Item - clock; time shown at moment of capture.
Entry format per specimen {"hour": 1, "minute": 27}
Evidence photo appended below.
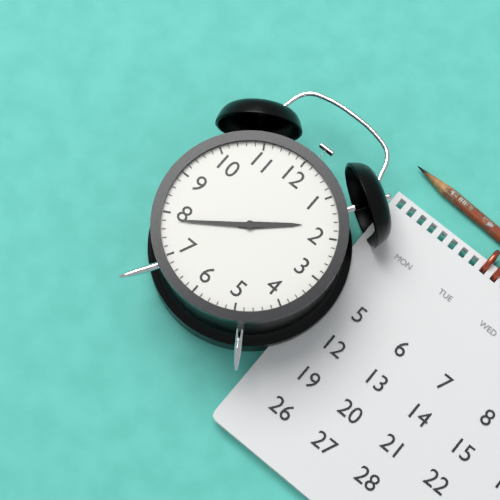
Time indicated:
{"hour": 1, "minute": 39}
